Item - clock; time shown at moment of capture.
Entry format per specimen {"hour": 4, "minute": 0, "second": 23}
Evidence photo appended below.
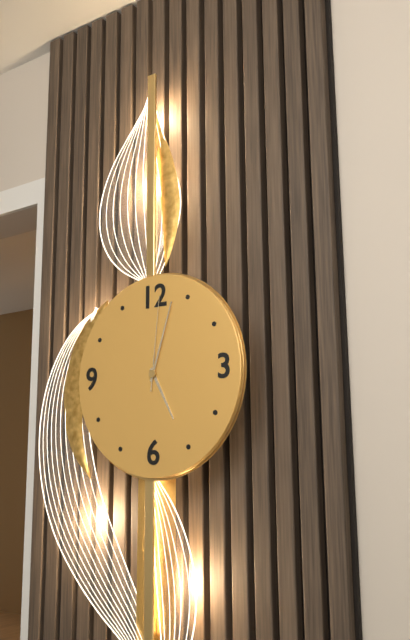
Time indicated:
{"hour": 5, "minute": 3, "second": 1}
